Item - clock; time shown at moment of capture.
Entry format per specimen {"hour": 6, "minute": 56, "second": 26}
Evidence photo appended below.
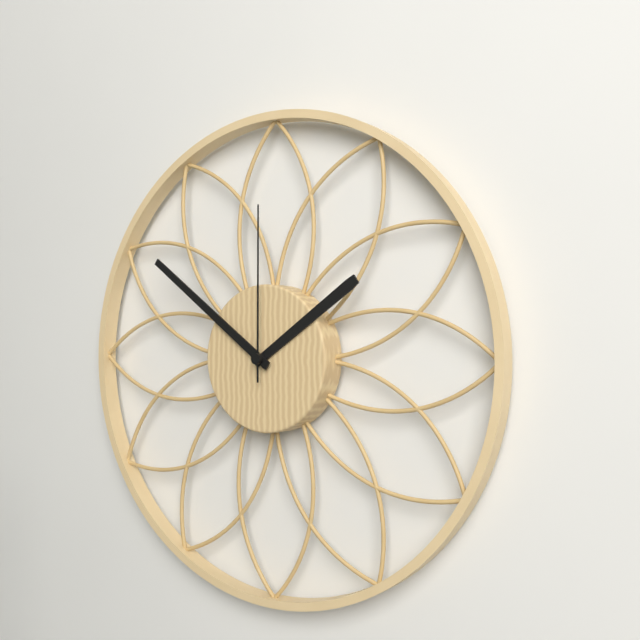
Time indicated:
{"hour": 1, "minute": 51, "second": 0}
